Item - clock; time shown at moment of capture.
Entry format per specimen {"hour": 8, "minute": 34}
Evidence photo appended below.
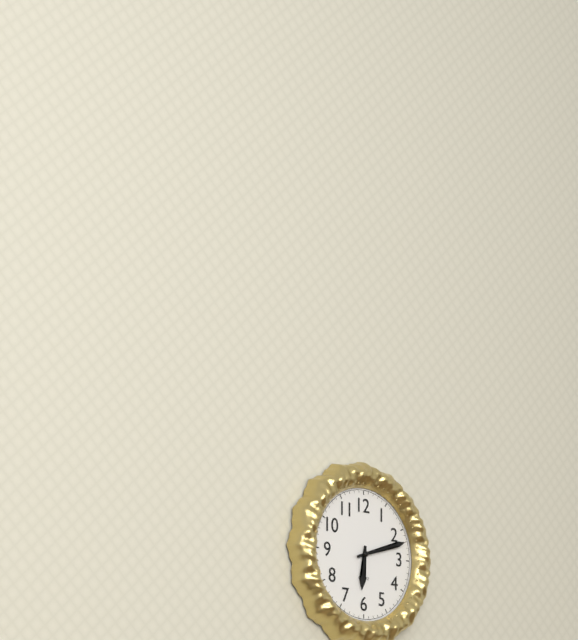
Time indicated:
{"hour": 6, "minute": 12}
